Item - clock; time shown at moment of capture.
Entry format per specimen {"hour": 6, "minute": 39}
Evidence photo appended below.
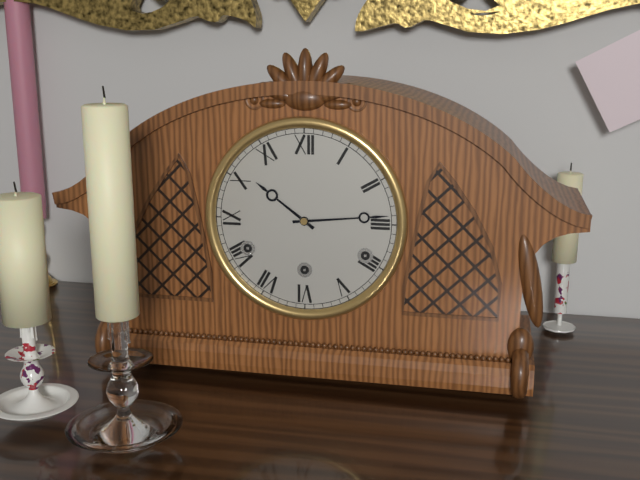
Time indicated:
{"hour": 10, "minute": 14}
